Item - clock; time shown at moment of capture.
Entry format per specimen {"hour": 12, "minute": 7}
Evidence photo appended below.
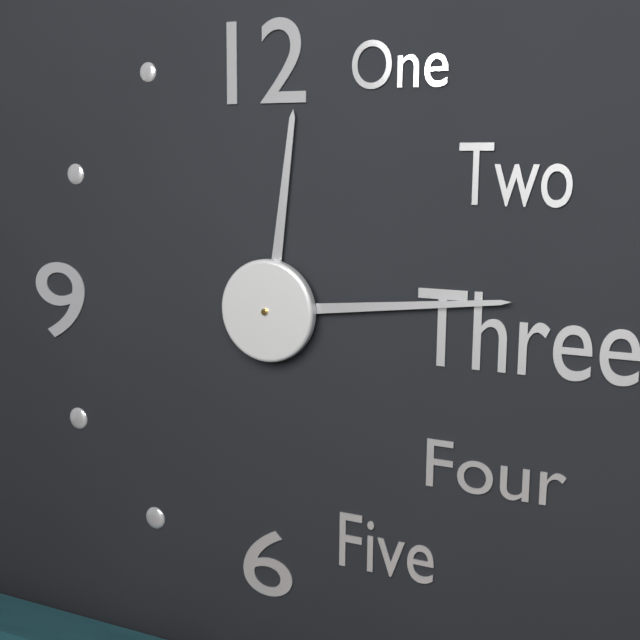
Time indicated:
{"hour": 12, "minute": 14}
